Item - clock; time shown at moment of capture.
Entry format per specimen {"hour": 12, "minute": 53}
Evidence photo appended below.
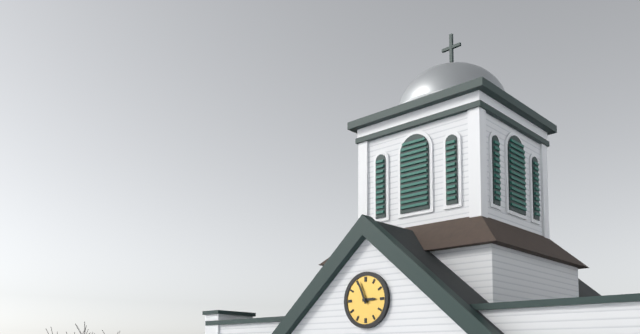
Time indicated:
{"hour": 2, "minute": 56}
